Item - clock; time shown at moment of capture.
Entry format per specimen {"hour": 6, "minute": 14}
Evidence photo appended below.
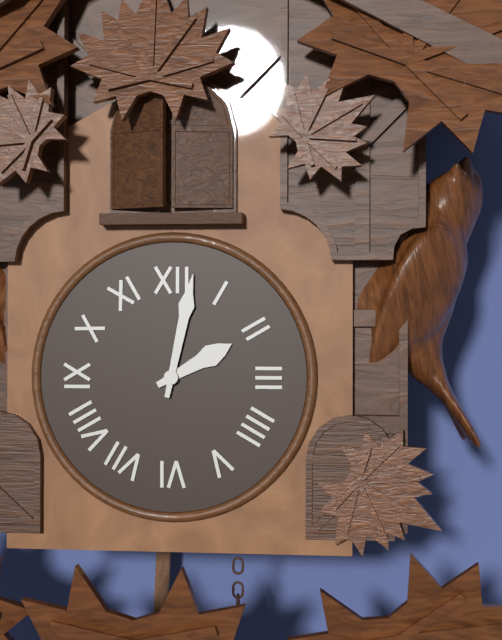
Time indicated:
{"hour": 2, "minute": 2}
